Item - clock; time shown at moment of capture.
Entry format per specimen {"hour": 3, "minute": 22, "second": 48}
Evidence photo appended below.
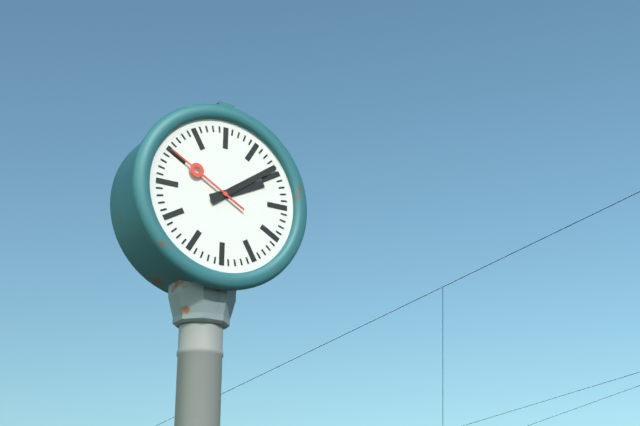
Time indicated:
{"hour": 2, "minute": 9, "second": 50}
